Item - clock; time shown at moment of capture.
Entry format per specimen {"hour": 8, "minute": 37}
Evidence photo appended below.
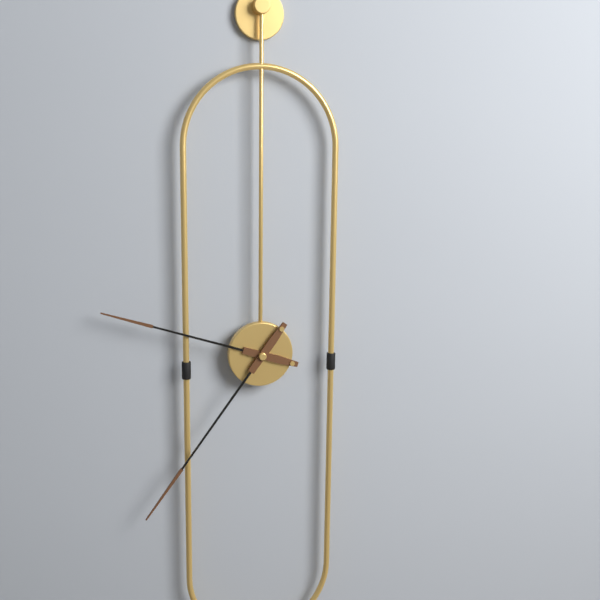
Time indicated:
{"hour": 9, "minute": 36}
